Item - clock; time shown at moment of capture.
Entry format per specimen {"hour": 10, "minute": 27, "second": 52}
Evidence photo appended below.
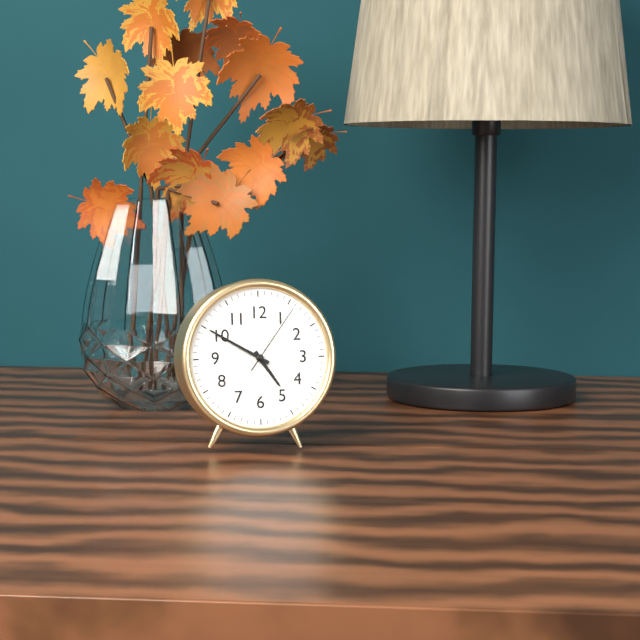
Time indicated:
{"hour": 4, "minute": 50, "second": 6}
